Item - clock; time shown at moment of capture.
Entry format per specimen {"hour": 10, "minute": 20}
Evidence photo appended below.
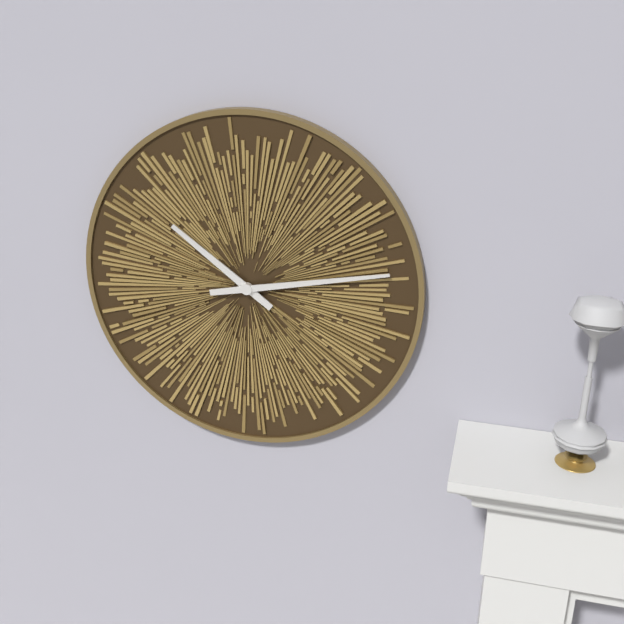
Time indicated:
{"hour": 10, "minute": 13}
